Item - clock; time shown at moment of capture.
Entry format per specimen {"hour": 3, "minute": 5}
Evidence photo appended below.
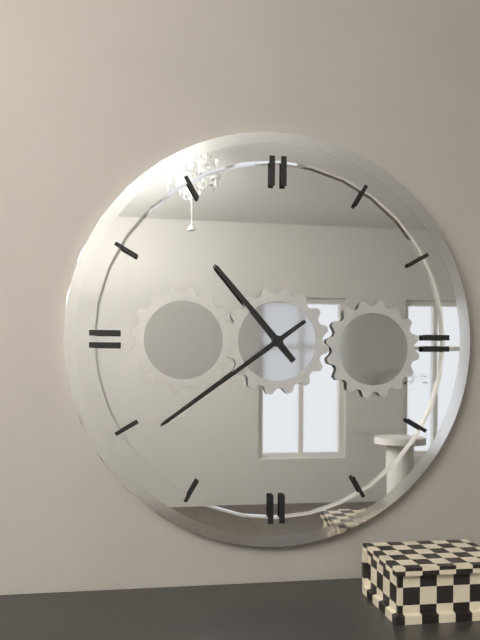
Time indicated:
{"hour": 10, "minute": 39}
